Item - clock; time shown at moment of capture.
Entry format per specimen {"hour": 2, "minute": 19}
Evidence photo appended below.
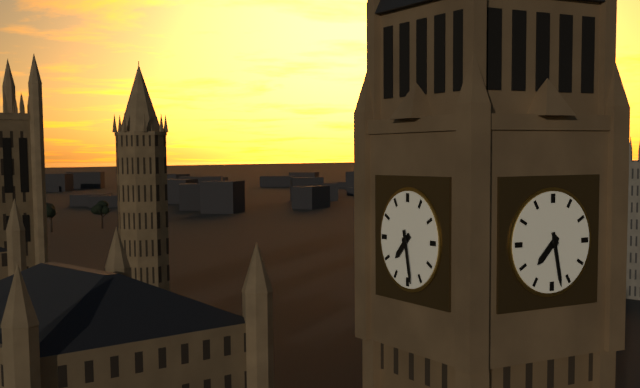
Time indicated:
{"hour": 7, "minute": 28}
